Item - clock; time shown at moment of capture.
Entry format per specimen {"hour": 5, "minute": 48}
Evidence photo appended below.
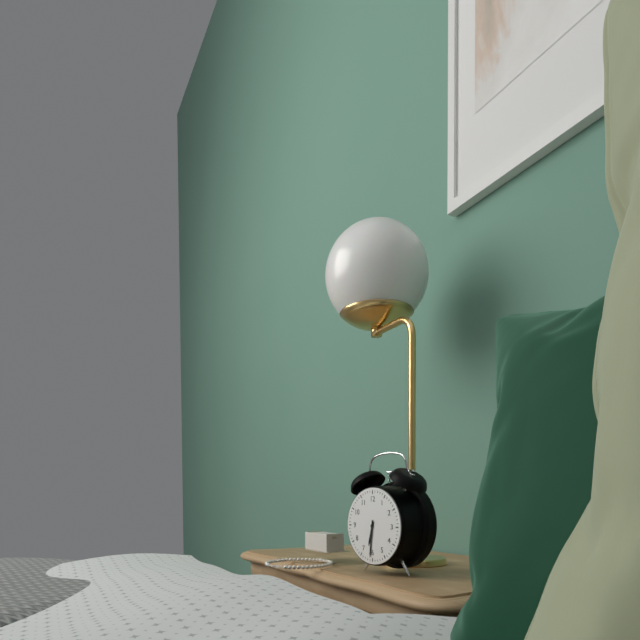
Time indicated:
{"hour": 6, "minute": 31}
